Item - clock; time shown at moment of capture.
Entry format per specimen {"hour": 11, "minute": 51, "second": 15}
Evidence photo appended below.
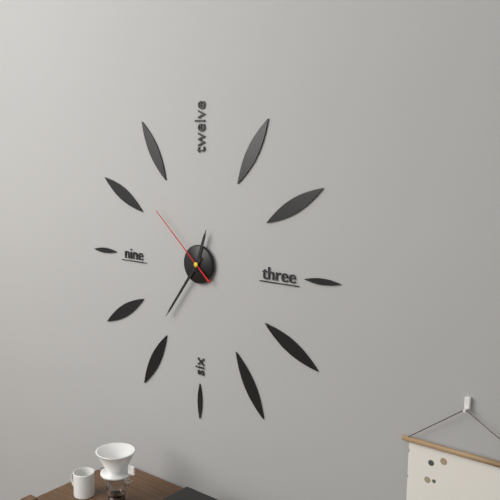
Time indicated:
{"hour": 12, "minute": 36, "second": 52}
